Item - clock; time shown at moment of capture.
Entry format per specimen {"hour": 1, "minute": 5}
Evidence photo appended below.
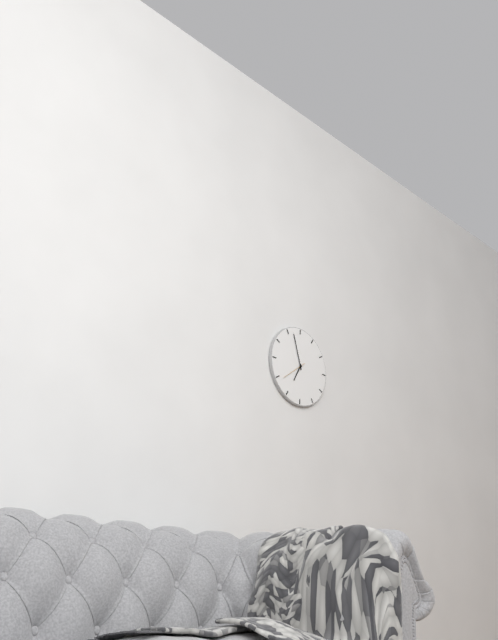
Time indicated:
{"hour": 6, "minute": 57}
